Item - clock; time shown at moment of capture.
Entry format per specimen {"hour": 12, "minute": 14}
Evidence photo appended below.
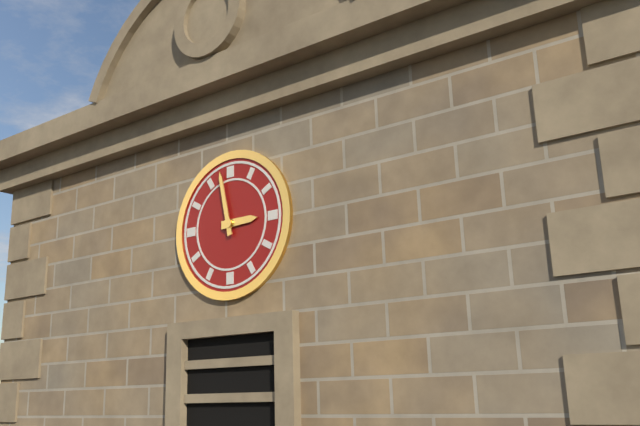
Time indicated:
{"hour": 2, "minute": 58}
